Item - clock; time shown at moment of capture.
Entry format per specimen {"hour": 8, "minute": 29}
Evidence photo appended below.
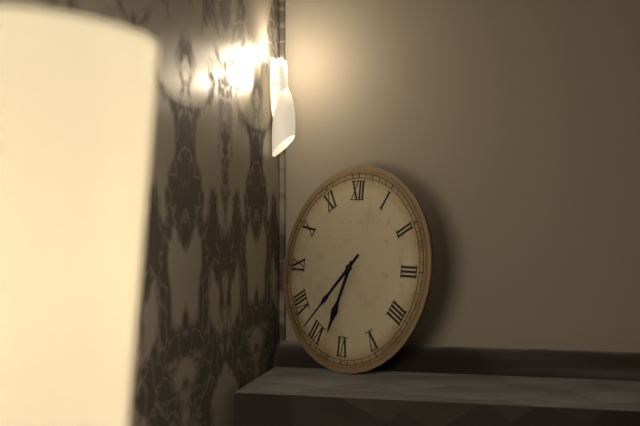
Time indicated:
{"hour": 6, "minute": 37}
